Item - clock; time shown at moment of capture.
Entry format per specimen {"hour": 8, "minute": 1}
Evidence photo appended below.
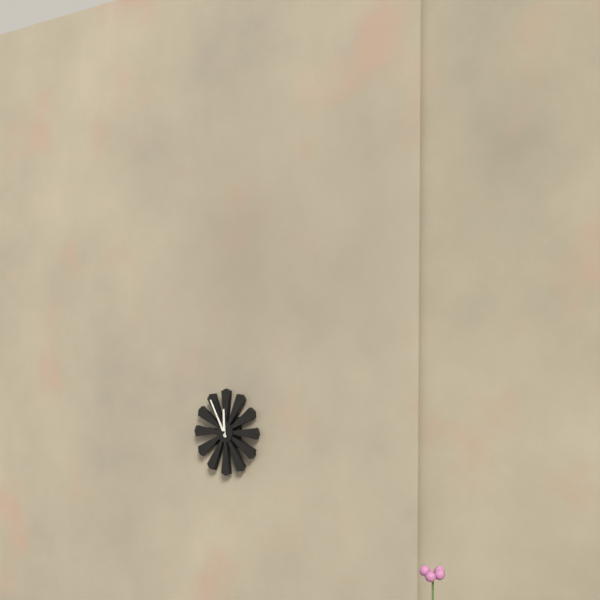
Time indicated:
{"hour": 11, "minute": 55}
